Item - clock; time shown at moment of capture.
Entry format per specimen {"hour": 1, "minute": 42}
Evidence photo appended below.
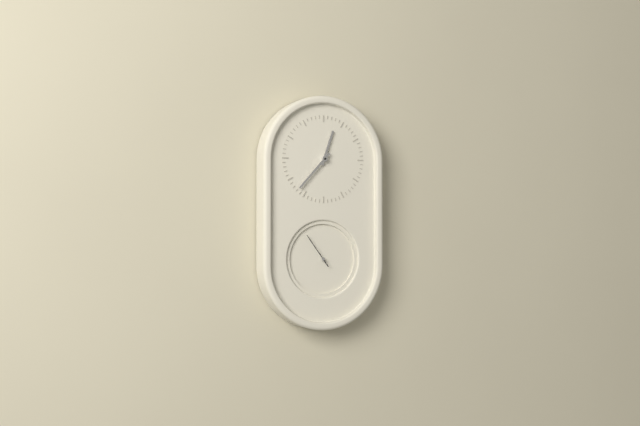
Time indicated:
{"hour": 12, "minute": 37}
